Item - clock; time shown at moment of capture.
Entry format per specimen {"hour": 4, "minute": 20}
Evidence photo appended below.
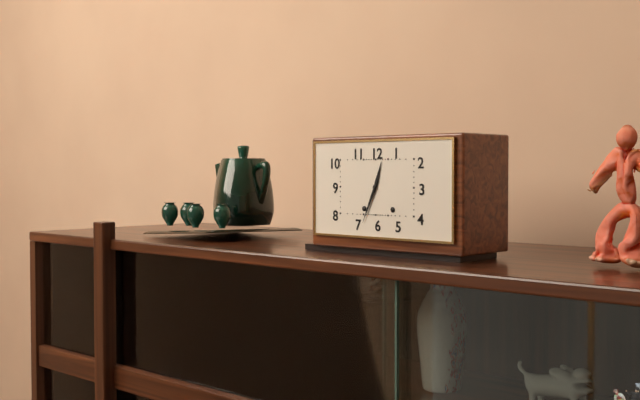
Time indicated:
{"hour": 12, "minute": 34}
